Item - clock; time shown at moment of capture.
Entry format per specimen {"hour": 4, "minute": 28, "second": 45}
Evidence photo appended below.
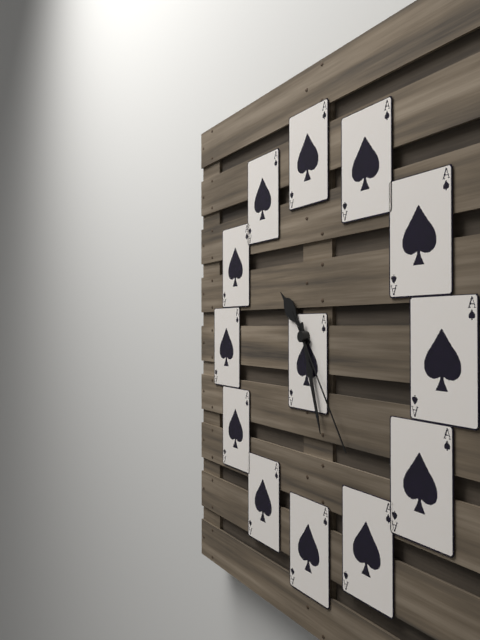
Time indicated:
{"hour": 10, "minute": 27, "second": 24}
